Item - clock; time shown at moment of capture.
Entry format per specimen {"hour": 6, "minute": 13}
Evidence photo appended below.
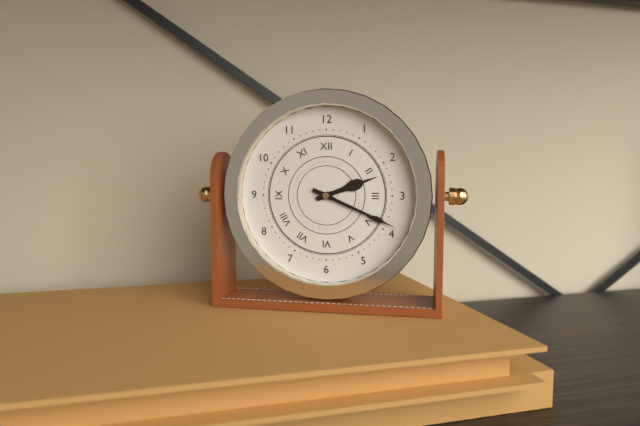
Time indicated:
{"hour": 2, "minute": 19}
